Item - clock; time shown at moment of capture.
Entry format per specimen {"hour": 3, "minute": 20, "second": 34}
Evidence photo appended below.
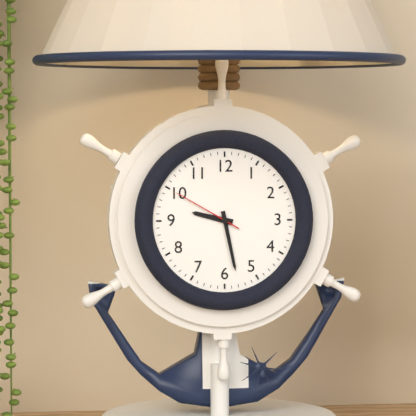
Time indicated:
{"hour": 9, "minute": 28, "second": 50}
